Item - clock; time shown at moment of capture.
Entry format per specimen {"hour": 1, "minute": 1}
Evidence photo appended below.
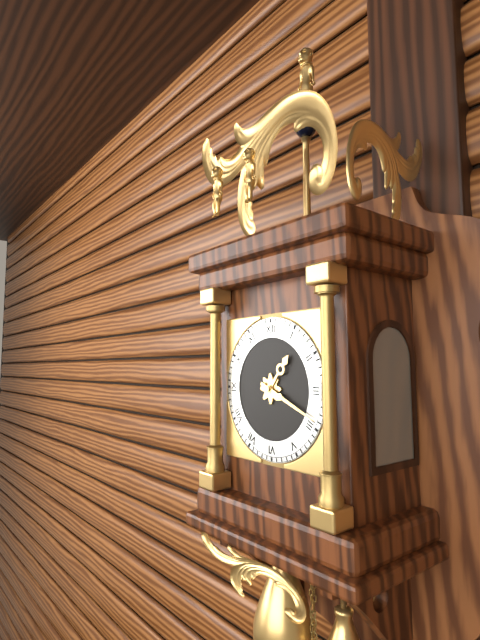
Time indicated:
{"hour": 1, "minute": 19}
